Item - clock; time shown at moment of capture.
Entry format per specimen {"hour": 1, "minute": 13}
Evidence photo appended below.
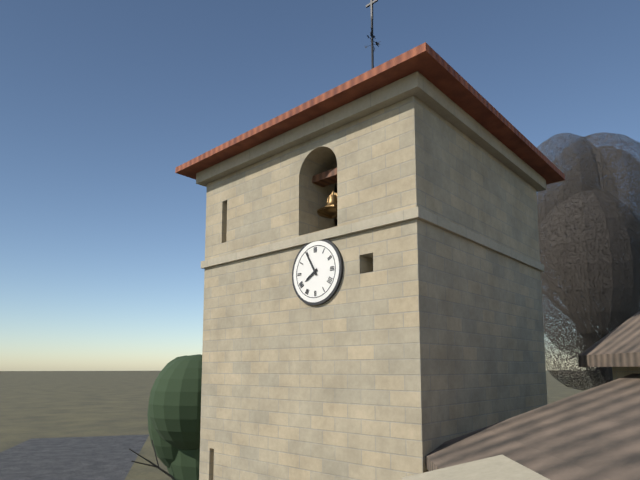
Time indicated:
{"hour": 7, "minute": 55}
